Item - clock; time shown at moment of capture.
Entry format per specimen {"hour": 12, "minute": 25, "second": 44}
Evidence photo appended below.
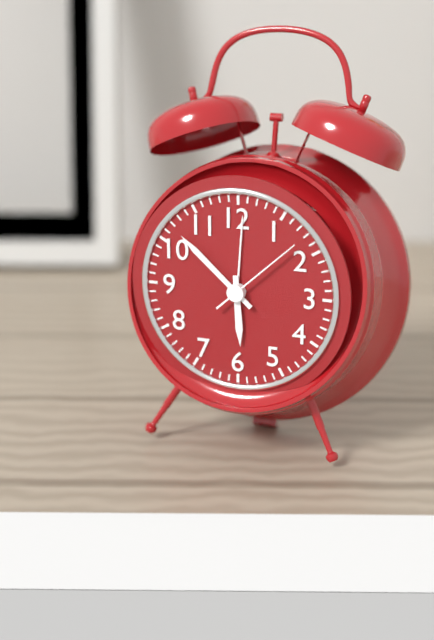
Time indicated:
{"hour": 5, "minute": 52, "second": 8}
